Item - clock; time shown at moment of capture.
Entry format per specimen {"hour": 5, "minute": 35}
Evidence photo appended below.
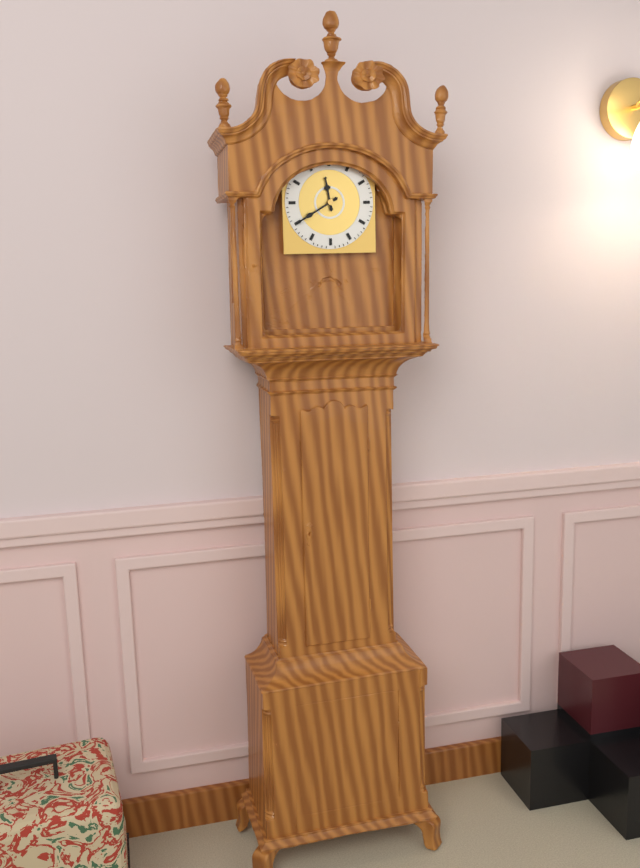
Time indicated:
{"hour": 11, "minute": 40}
